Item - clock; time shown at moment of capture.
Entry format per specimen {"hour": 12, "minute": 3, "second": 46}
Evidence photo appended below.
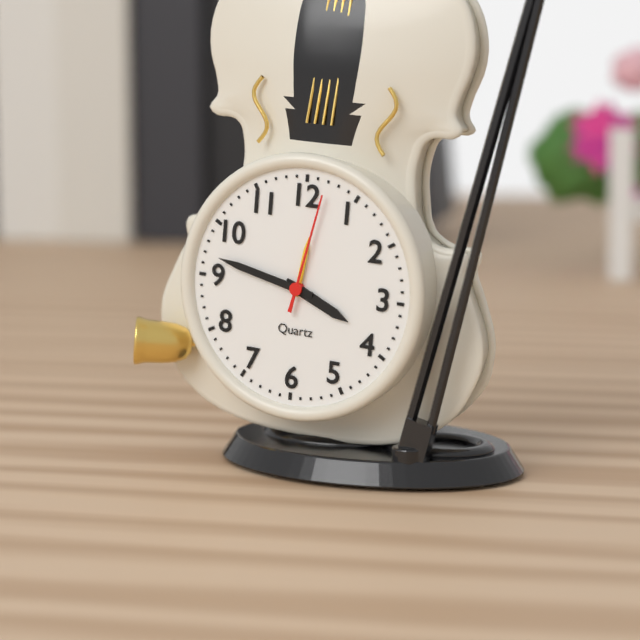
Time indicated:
{"hour": 3, "minute": 47, "second": 2}
